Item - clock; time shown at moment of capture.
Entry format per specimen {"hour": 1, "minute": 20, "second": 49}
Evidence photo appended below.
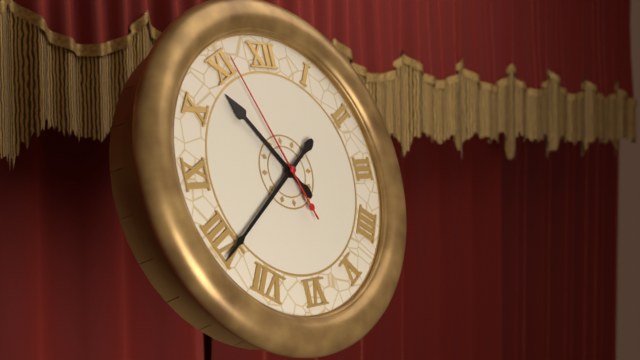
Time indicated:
{"hour": 10, "minute": 39, "second": 56}
